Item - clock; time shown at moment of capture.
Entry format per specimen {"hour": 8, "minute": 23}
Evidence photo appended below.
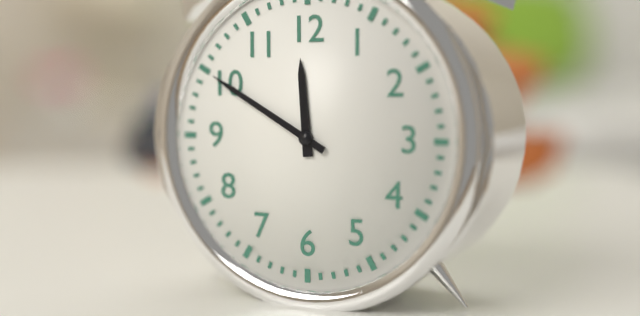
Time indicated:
{"hour": 11, "minute": 50}
